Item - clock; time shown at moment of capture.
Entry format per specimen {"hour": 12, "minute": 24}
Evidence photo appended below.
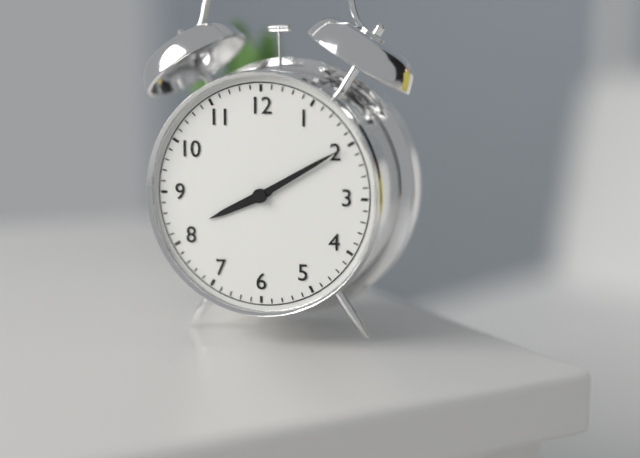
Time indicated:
{"hour": 8, "minute": 10}
